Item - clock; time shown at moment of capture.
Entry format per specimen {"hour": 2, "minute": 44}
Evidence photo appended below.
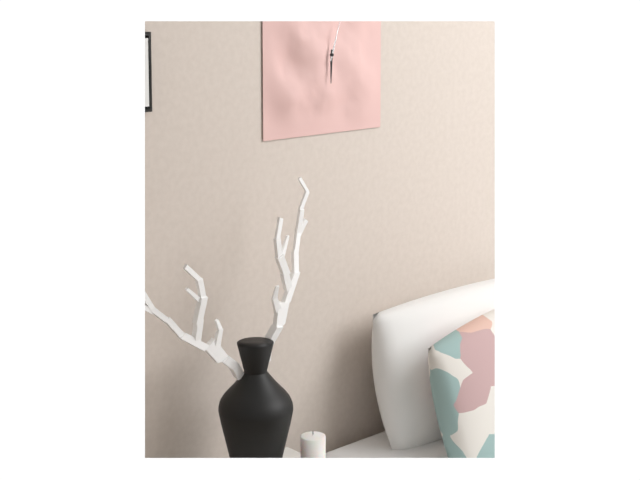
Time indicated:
{"hour": 6, "minute": 3}
